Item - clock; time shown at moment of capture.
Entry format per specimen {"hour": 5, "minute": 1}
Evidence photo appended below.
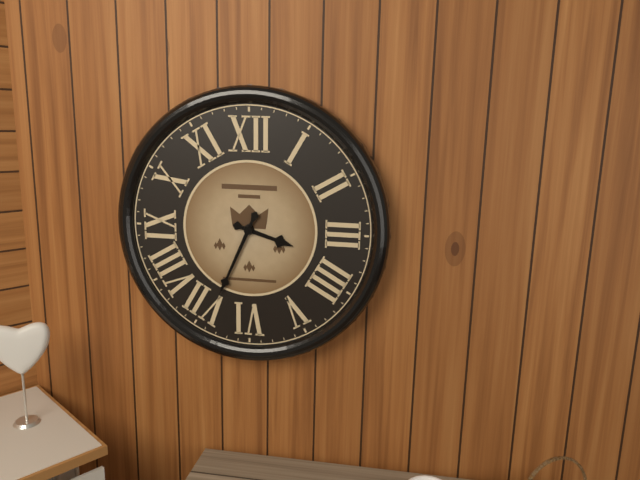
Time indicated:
{"hour": 3, "minute": 34}
